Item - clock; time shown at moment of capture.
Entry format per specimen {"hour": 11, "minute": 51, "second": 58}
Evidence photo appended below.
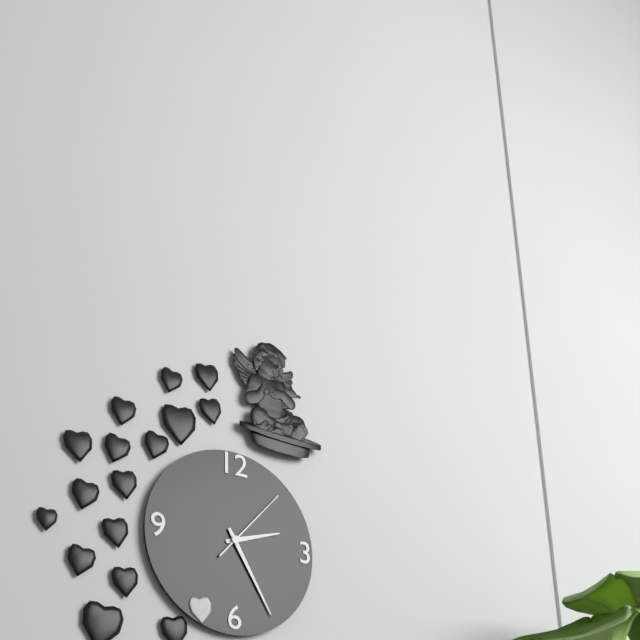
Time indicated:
{"hour": 2, "minute": 25, "second": 7}
